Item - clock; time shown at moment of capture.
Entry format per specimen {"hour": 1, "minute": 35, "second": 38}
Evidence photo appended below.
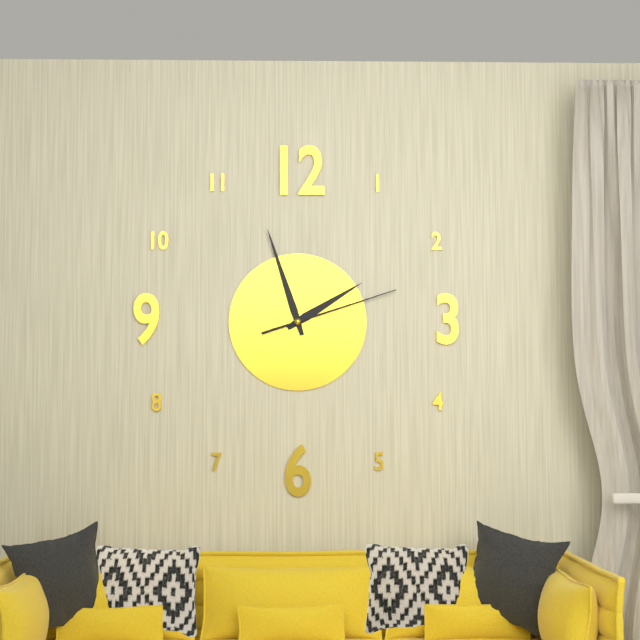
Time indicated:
{"hour": 1, "minute": 57, "second": 12}
